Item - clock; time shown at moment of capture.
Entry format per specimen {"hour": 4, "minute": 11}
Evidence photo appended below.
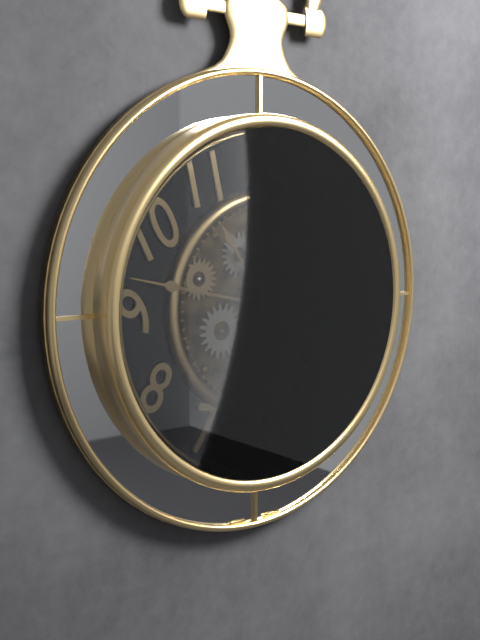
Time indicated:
{"hour": 10, "minute": 47}
